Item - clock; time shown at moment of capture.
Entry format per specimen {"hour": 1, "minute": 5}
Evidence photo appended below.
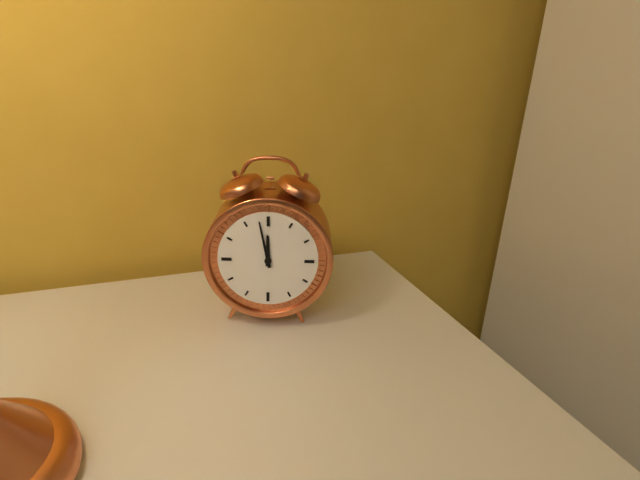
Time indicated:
{"hour": 11, "minute": 58}
